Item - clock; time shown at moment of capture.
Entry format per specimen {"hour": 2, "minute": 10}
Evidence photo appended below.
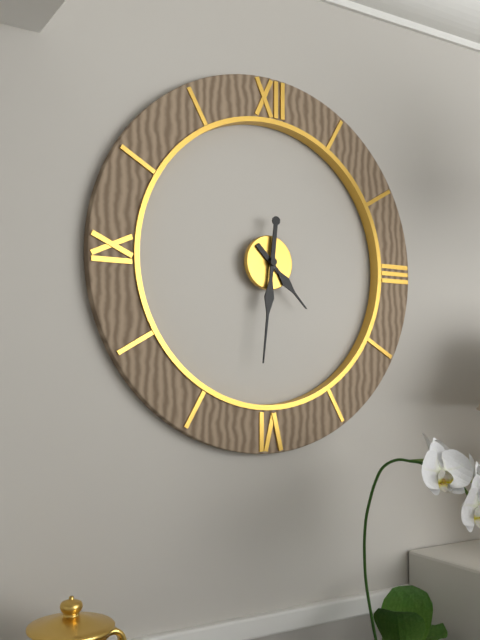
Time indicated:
{"hour": 4, "minute": 31}
